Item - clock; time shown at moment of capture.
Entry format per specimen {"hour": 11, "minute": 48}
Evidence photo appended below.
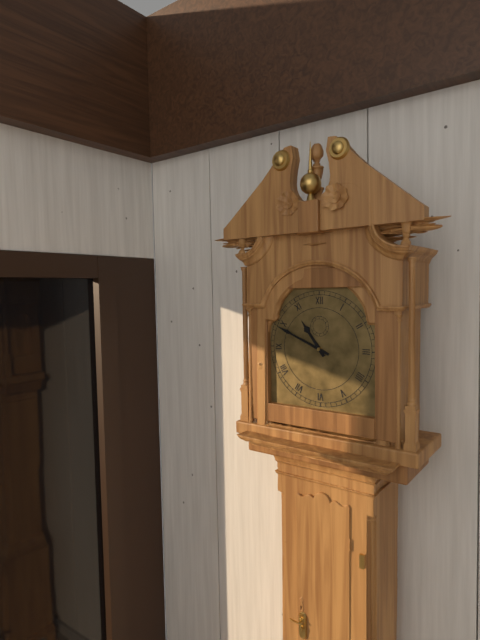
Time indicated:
{"hour": 10, "minute": 49}
